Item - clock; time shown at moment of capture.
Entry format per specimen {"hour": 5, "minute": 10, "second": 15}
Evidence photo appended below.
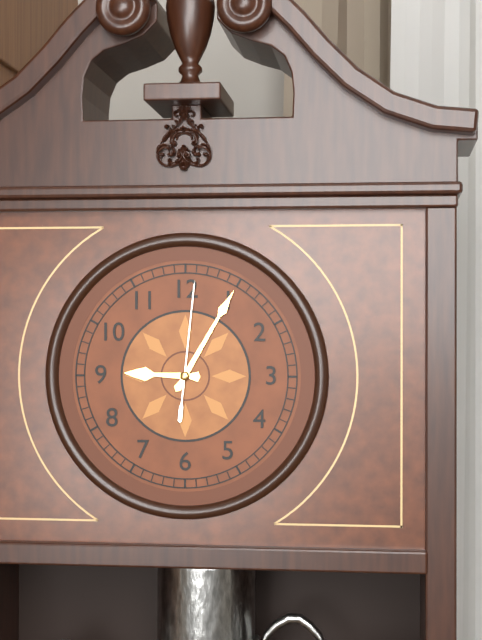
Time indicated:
{"hour": 9, "minute": 5, "second": 1}
